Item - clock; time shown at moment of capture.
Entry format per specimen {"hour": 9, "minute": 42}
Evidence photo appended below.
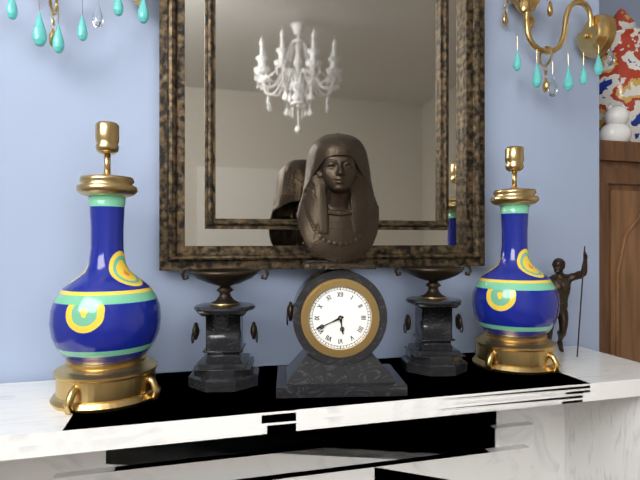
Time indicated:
{"hour": 5, "minute": 41}
